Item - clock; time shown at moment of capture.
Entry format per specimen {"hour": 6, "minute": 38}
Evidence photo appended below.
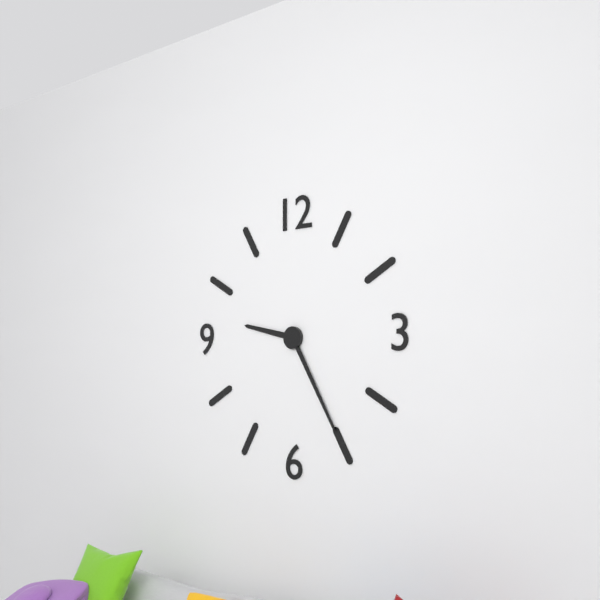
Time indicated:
{"hour": 9, "minute": 25}
